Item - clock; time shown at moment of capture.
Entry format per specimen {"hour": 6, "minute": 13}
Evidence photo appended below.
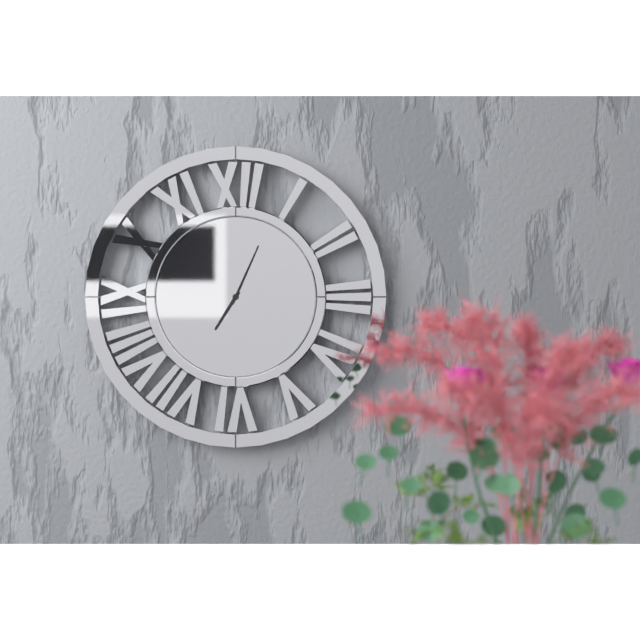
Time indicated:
{"hour": 7, "minute": 4}
